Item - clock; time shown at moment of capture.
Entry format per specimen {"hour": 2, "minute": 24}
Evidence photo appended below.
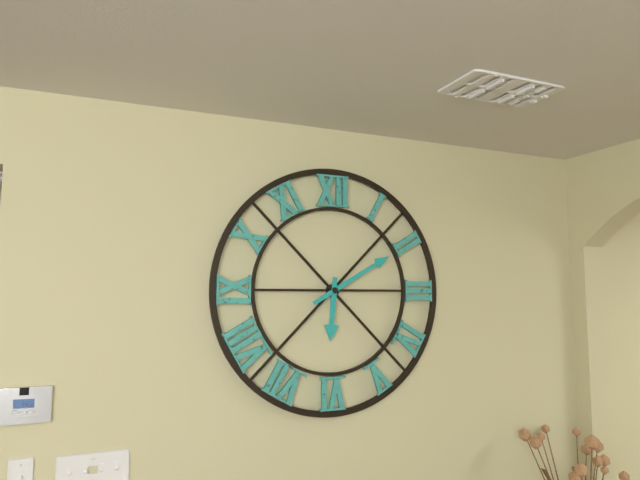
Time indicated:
{"hour": 6, "minute": 10}
